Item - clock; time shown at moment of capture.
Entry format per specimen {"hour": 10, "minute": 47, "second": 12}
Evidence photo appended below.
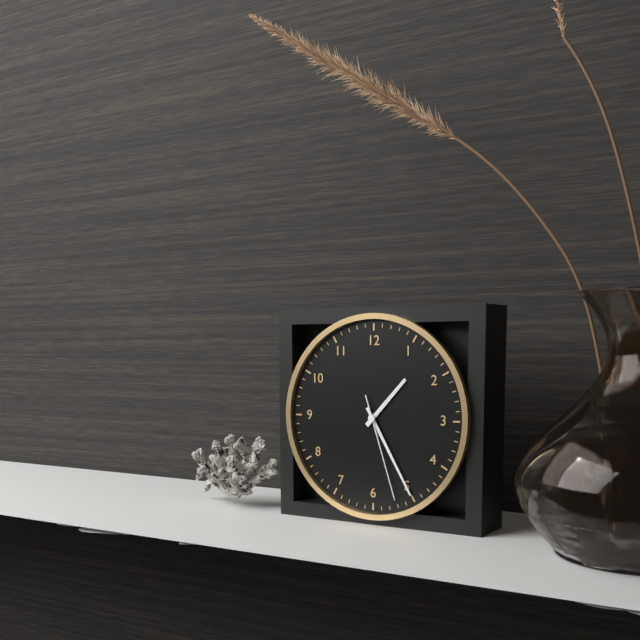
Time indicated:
{"hour": 1, "minute": 25, "second": 27}
